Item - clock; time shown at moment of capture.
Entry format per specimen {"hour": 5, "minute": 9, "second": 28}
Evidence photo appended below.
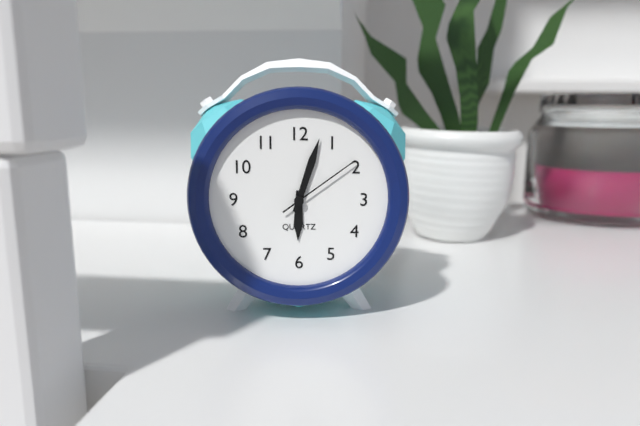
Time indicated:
{"hour": 6, "minute": 3, "second": 9}
